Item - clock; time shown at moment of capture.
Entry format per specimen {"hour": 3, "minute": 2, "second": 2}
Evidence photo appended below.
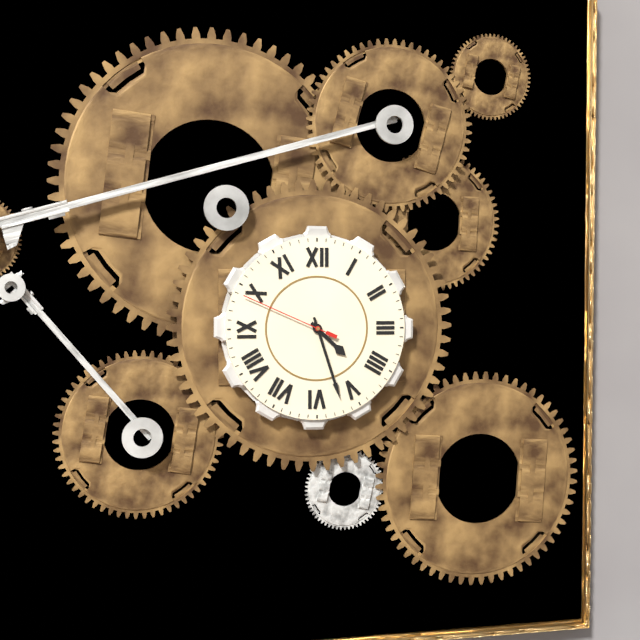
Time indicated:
{"hour": 4, "minute": 27, "second": 49}
